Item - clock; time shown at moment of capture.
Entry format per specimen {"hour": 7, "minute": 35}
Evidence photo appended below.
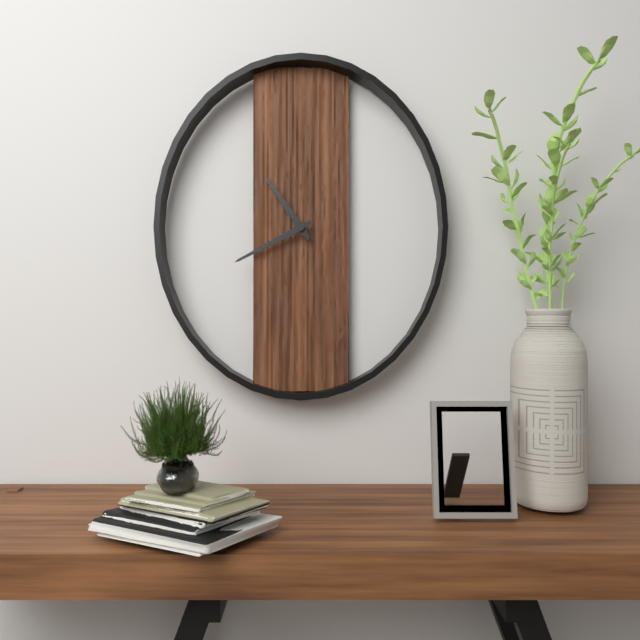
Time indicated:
{"hour": 10, "minute": 41}
